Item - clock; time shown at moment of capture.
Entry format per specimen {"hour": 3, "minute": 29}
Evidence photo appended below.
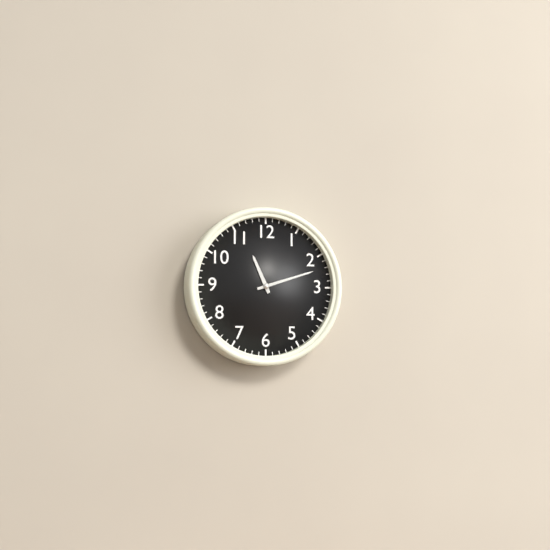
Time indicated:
{"hour": 11, "minute": 12}
